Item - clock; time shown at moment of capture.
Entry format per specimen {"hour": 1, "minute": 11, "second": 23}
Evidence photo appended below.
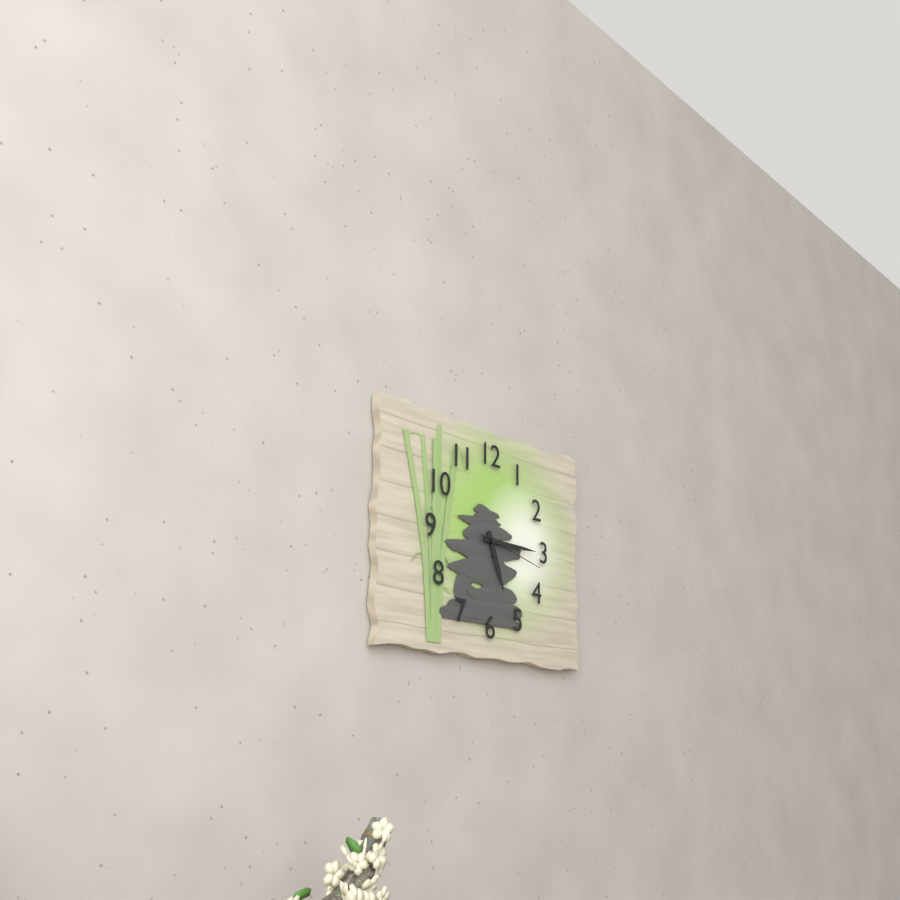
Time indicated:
{"hour": 5, "minute": 15, "second": 17}
